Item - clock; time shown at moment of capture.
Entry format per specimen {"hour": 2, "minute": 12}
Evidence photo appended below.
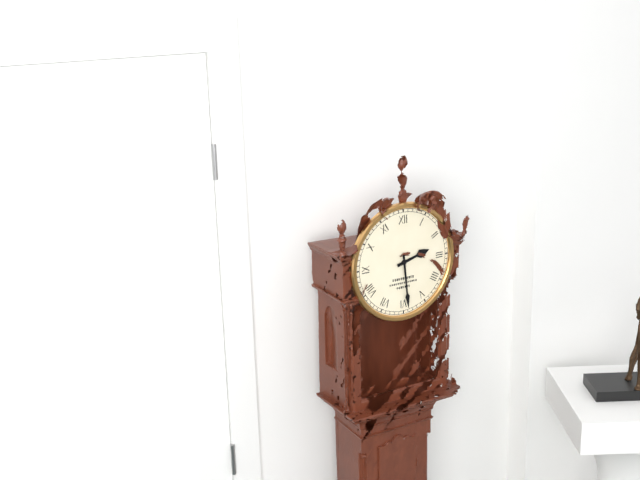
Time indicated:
{"hour": 2, "minute": 29}
